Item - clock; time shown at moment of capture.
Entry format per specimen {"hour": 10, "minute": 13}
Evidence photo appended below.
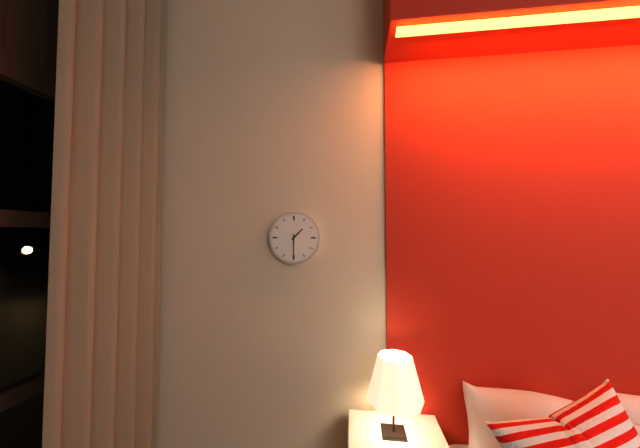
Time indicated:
{"hour": 1, "minute": 30}
